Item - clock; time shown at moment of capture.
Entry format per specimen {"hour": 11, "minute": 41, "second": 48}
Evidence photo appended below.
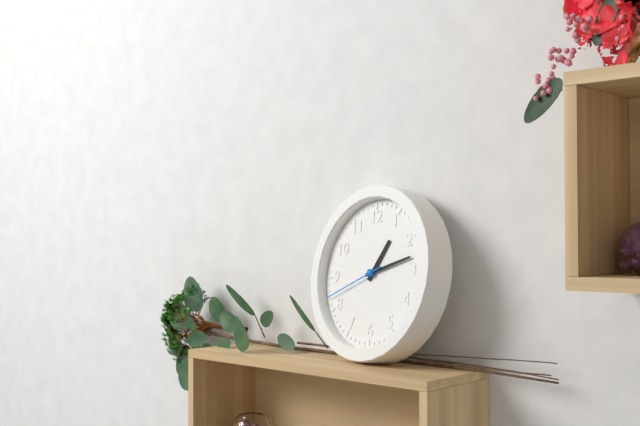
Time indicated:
{"hour": 1, "minute": 13, "second": 42}
